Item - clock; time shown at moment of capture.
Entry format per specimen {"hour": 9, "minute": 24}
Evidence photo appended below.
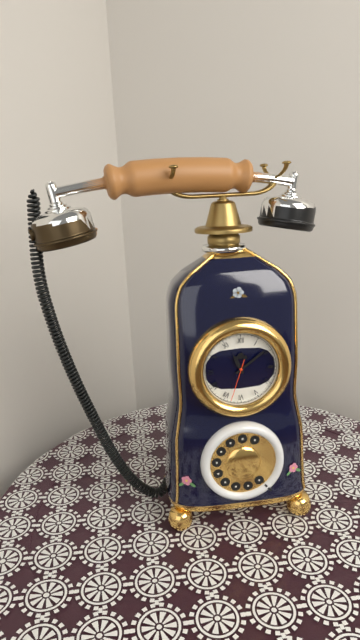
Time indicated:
{"hour": 11, "minute": 9}
